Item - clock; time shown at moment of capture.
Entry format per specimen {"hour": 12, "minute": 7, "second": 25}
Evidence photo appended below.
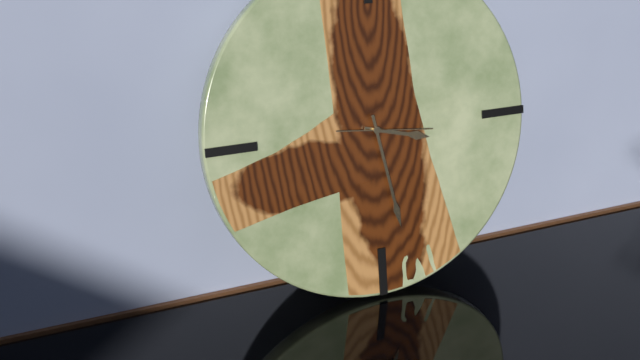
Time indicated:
{"hour": 3, "minute": 28, "second": 16}
